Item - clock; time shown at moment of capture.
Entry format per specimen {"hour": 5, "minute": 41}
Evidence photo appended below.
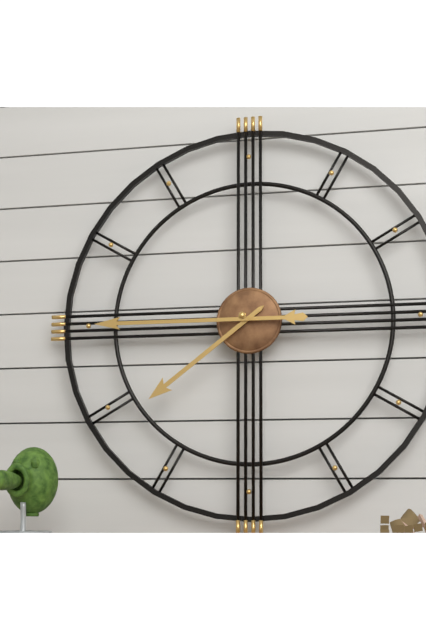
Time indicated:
{"hour": 7, "minute": 45}
